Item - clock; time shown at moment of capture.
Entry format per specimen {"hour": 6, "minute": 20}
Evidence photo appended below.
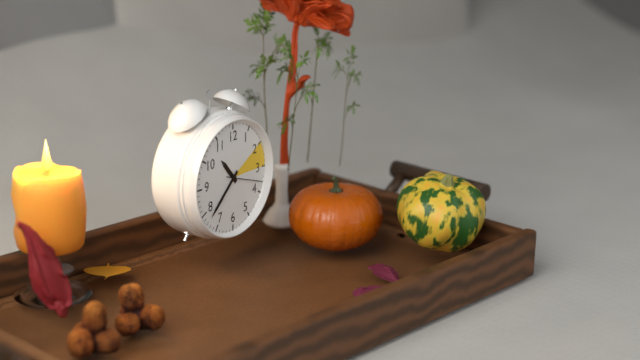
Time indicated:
{"hour": 10, "minute": 38}
